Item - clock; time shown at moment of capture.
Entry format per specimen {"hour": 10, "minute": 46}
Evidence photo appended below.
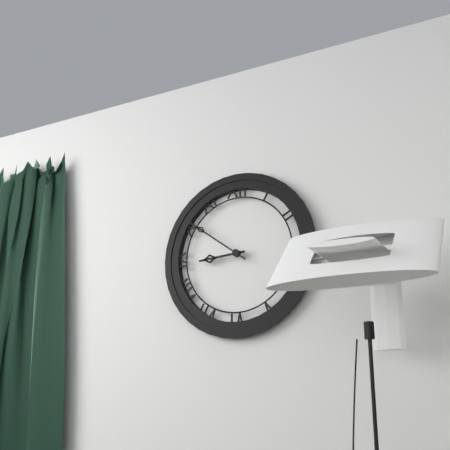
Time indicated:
{"hour": 8, "minute": 51}
